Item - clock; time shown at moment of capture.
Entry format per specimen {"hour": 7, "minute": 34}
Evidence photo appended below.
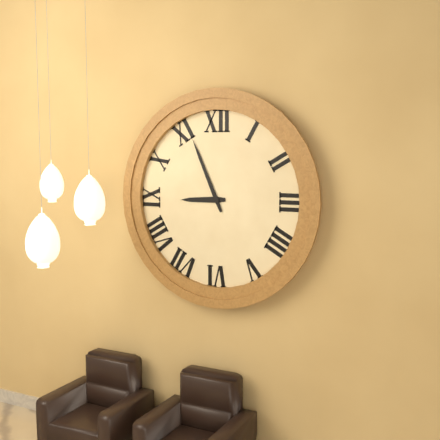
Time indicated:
{"hour": 8, "minute": 56}
